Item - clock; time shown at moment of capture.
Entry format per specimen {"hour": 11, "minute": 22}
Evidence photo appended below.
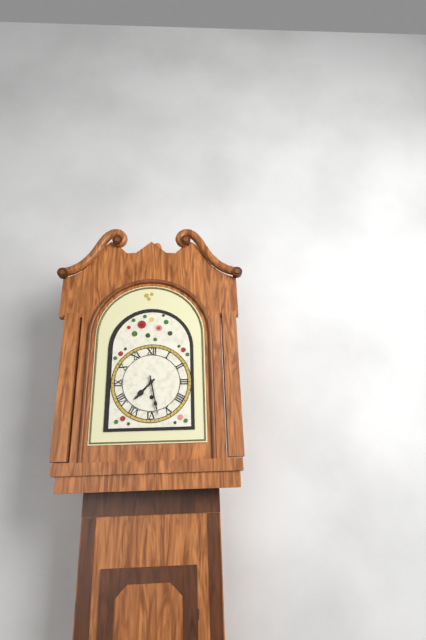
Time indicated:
{"hour": 7, "minute": 28}
